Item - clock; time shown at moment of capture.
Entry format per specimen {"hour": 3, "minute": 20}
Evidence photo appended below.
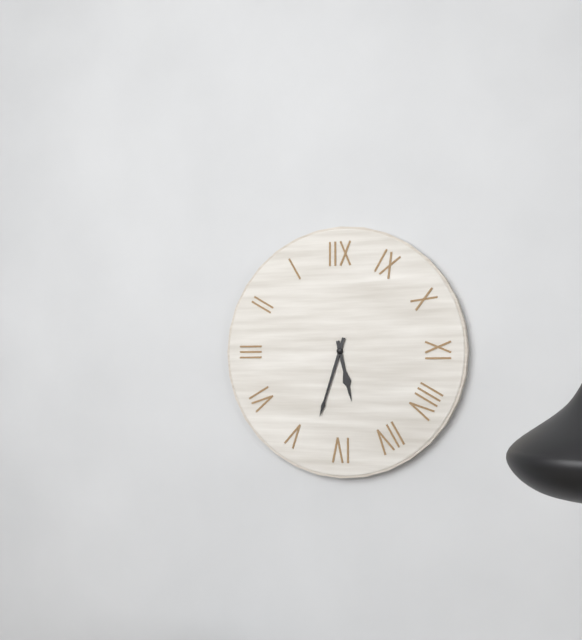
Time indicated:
{"hour": 5, "minute": 33}
